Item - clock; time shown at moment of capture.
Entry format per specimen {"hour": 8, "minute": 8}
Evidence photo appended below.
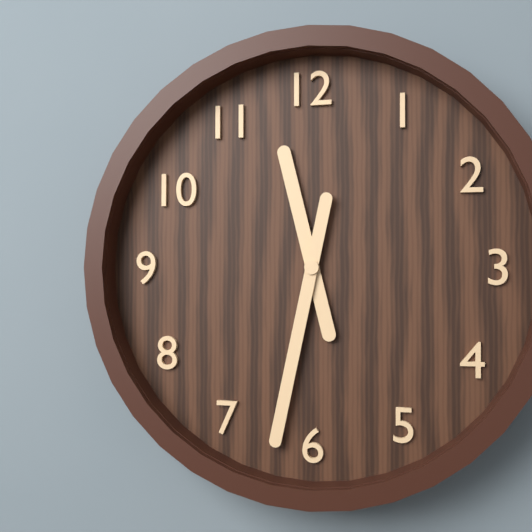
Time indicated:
{"hour": 11, "minute": 32}
